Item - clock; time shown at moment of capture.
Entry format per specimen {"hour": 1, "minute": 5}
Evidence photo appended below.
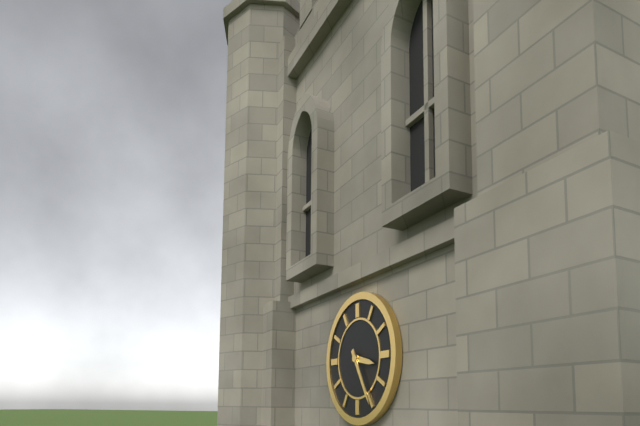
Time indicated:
{"hour": 3, "minute": 25}
